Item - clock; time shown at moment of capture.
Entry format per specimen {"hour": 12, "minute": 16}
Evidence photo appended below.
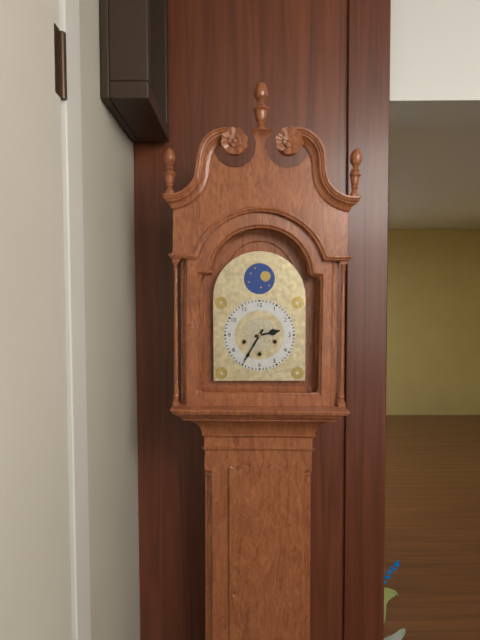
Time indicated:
{"hour": 2, "minute": 35}
